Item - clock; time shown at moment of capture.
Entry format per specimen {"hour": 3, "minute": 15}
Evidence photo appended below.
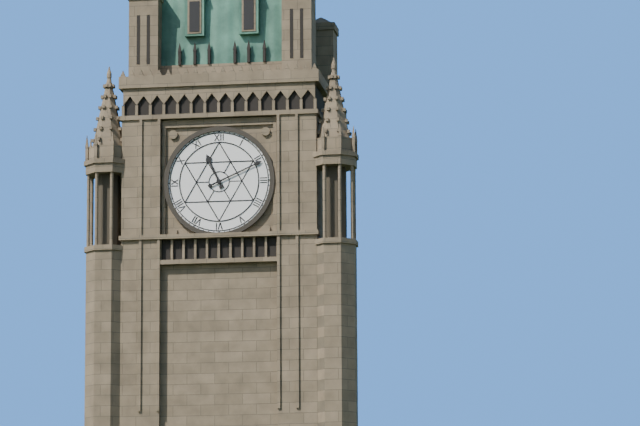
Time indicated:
{"hour": 11, "minute": 11}
